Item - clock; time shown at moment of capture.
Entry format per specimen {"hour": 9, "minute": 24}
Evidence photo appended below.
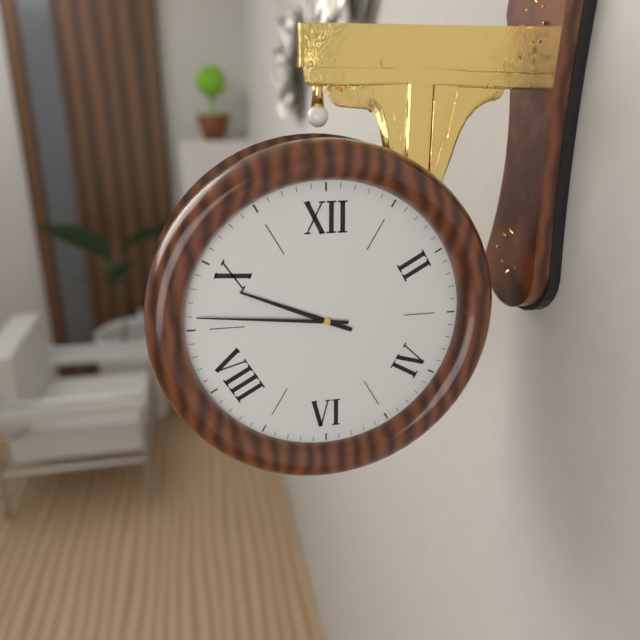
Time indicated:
{"hour": 9, "minute": 46}
